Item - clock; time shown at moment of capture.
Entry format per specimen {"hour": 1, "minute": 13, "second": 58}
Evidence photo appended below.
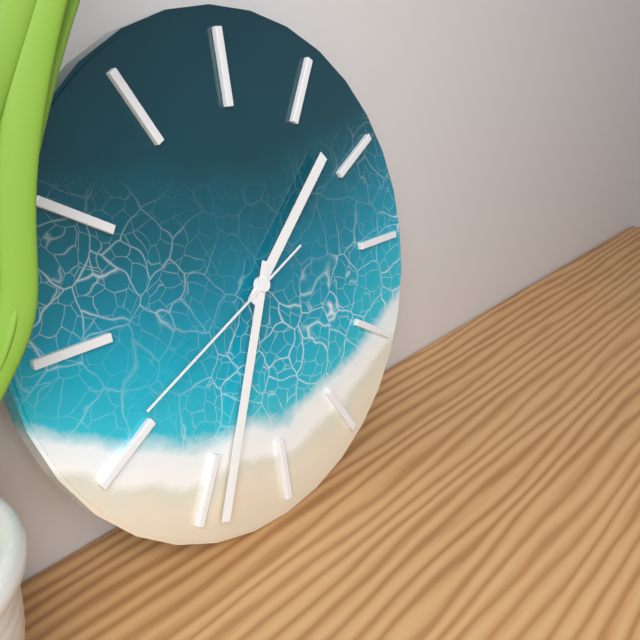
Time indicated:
{"hour": 1, "minute": 34, "second": 41}
